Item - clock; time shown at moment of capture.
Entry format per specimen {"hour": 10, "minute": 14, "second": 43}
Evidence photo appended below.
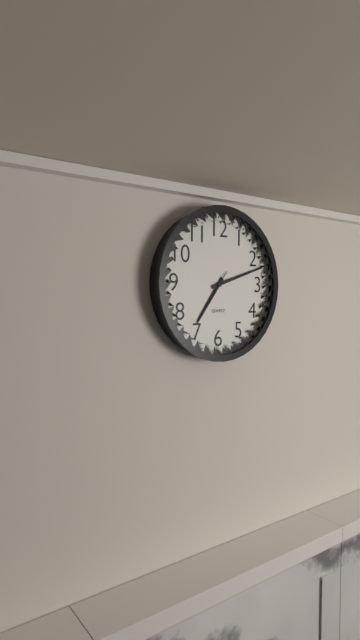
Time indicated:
{"hour": 7, "minute": 12, "second": 36}
